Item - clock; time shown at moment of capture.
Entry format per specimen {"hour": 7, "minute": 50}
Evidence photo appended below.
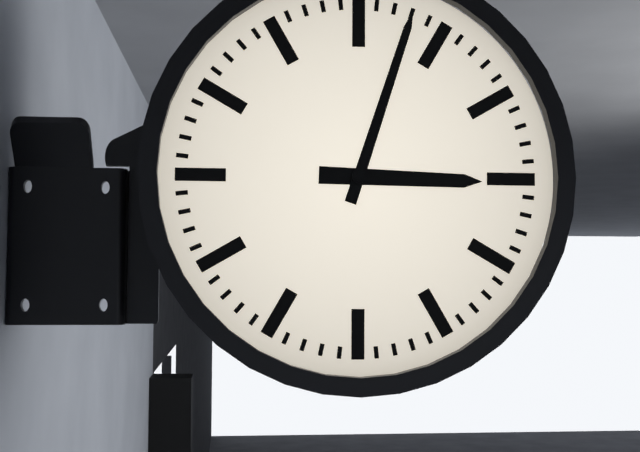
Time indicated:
{"hour": 3, "minute": 3}
